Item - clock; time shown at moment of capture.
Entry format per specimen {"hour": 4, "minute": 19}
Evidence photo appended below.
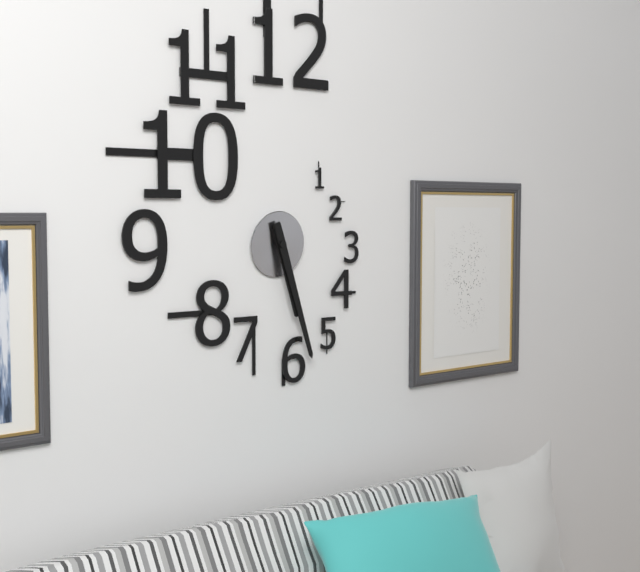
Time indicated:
{"hour": 5, "minute": 27}
